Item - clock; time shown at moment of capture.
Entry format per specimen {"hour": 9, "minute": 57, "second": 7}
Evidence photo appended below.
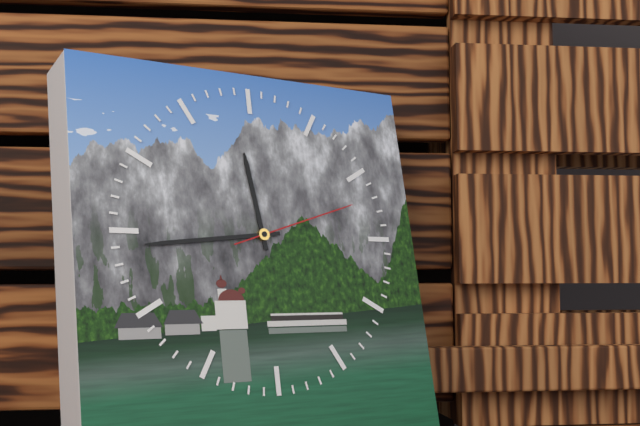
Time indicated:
{"hour": 11, "minute": 44, "second": 12}
